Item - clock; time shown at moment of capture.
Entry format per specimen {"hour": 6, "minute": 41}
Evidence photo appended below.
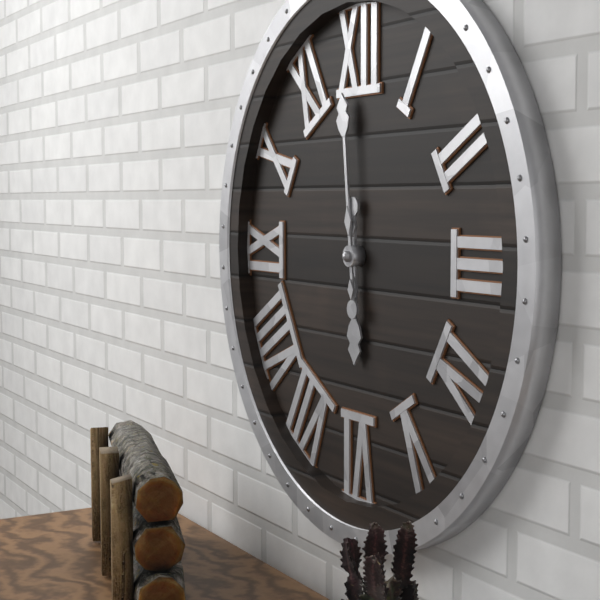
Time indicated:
{"hour": 5, "minute": 59}
